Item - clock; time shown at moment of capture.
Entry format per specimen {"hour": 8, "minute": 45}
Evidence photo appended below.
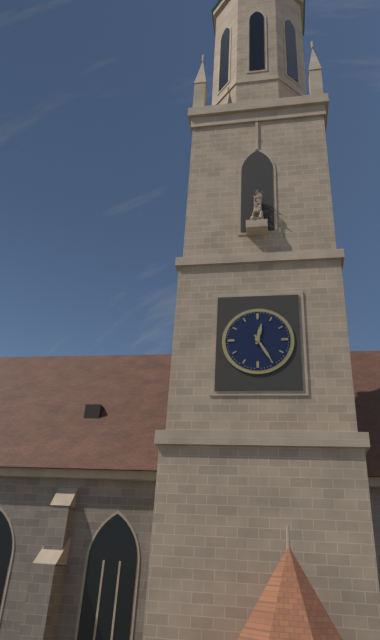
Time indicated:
{"hour": 12, "minute": 25}
